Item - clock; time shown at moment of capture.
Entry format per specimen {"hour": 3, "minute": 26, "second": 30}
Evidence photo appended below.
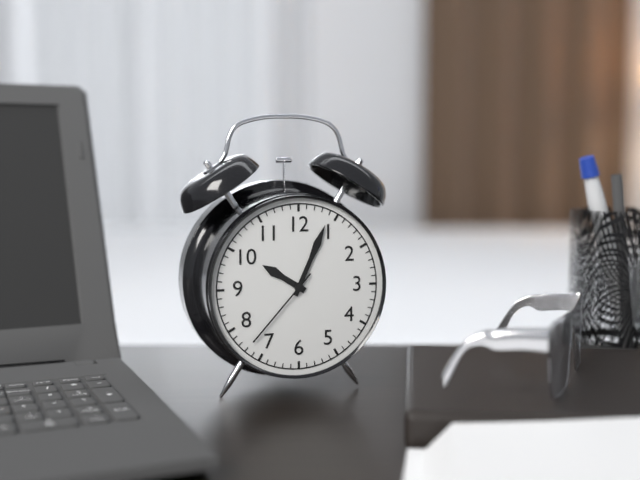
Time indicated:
{"hour": 10, "minute": 4, "second": 37}
